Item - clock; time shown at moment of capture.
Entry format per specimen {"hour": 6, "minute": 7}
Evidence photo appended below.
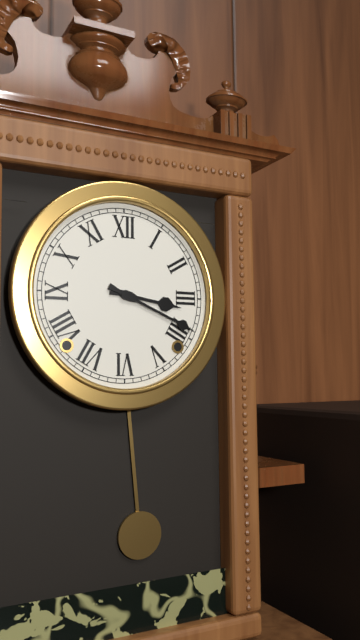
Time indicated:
{"hour": 3, "minute": 19}
